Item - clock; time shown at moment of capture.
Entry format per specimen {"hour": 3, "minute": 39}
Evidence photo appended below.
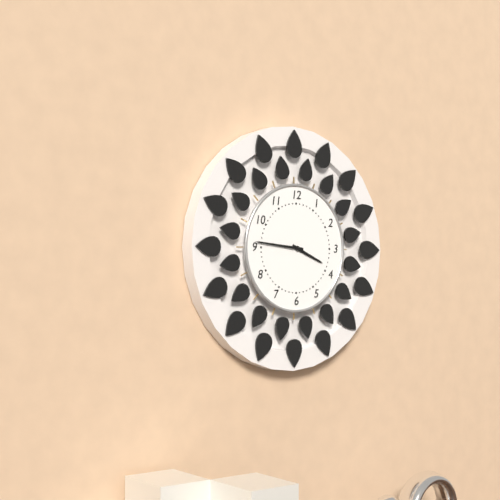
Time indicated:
{"hour": 3, "minute": 46}
